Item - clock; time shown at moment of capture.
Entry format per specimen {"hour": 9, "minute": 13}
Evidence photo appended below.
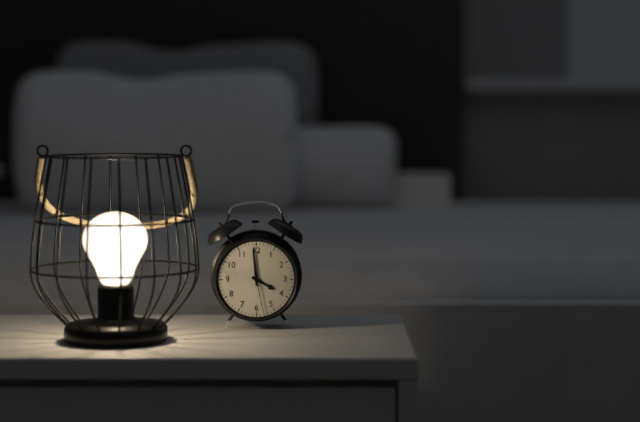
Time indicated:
{"hour": 3, "minute": 59}
